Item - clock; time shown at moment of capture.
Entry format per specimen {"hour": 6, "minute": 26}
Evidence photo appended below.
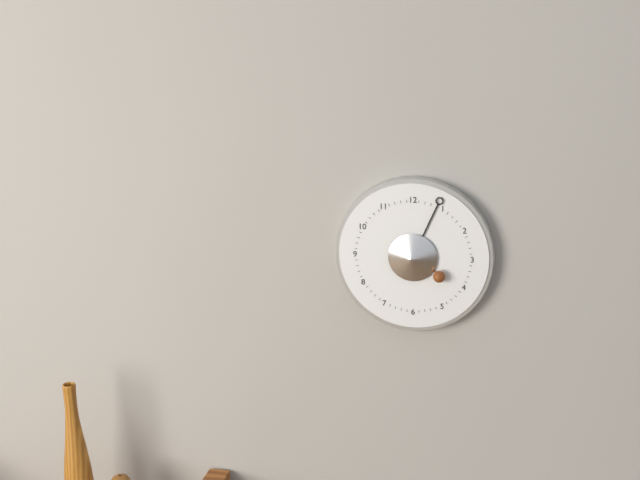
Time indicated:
{"hour": 4, "minute": 4}
